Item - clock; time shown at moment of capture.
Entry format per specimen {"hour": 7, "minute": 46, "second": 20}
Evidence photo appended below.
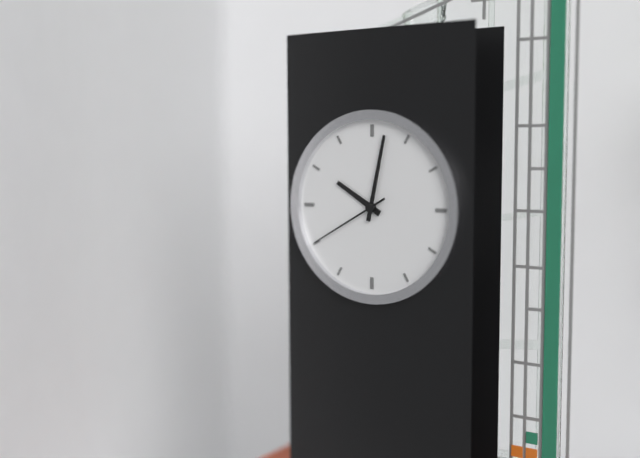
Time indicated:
{"hour": 10, "minute": 2, "second": 40}
